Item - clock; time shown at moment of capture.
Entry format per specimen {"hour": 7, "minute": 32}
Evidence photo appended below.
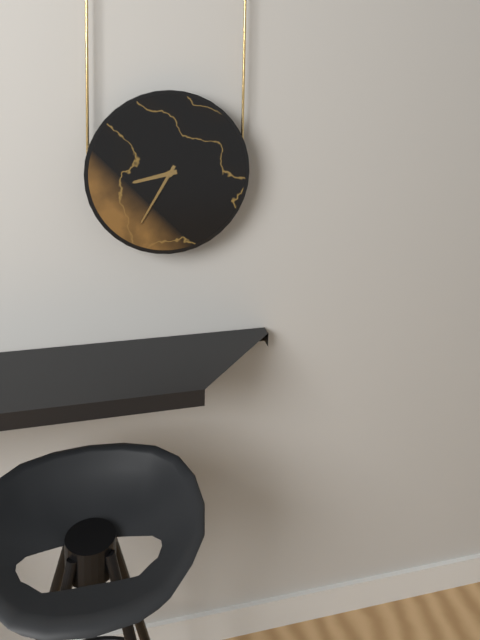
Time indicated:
{"hour": 8, "minute": 35}
